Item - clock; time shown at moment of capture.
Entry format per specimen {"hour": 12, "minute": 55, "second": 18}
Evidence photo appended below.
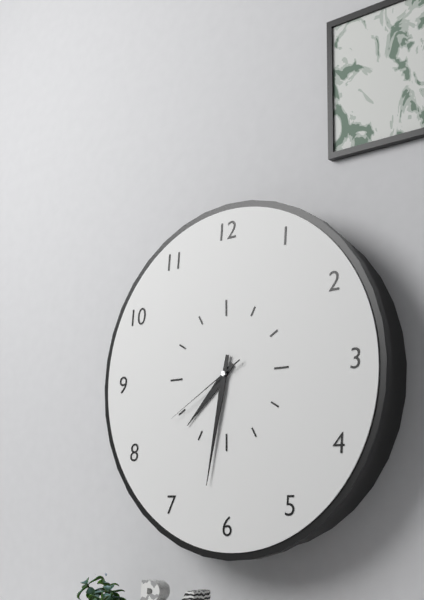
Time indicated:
{"hour": 7, "minute": 32, "second": 40}
